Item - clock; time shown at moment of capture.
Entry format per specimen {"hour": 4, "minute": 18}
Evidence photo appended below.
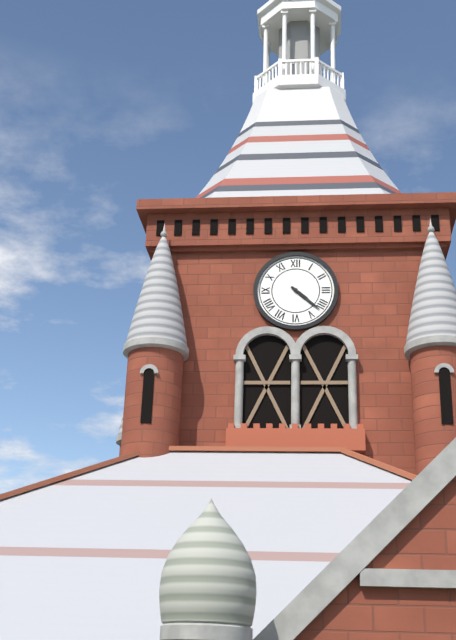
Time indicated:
{"hour": 4, "minute": 22}
